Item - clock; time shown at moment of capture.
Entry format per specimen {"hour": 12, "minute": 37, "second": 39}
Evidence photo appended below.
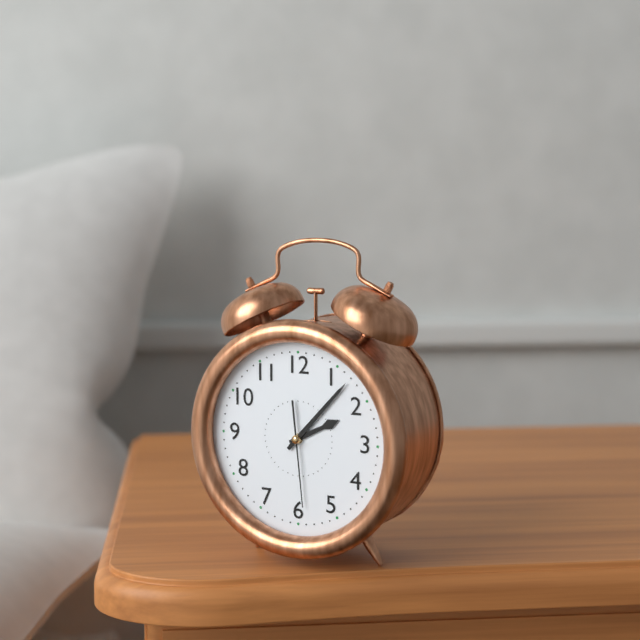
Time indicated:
{"hour": 2, "minute": 7, "second": 29}
